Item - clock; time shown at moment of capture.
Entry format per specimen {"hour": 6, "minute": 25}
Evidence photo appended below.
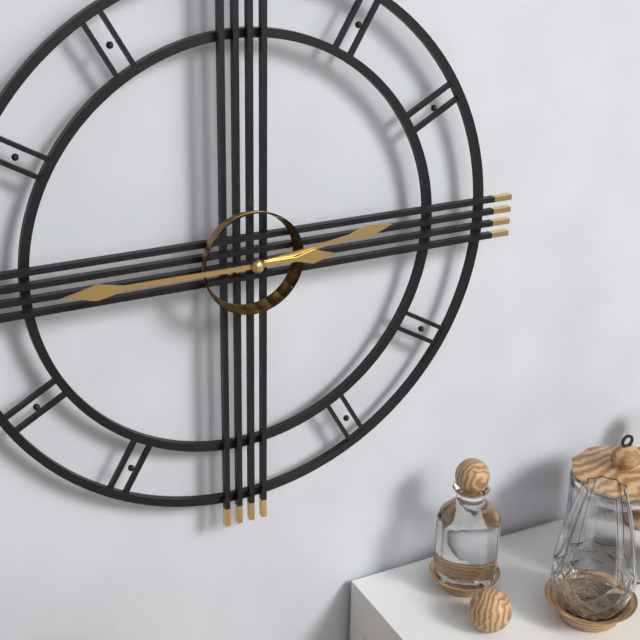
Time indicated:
{"hour": 2, "minute": 45}
